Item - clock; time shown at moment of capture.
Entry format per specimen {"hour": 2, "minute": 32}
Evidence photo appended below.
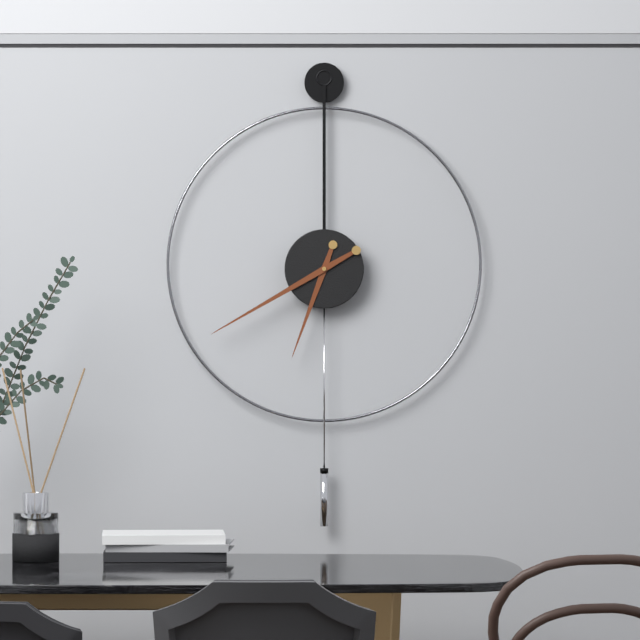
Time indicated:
{"hour": 6, "minute": 40}
